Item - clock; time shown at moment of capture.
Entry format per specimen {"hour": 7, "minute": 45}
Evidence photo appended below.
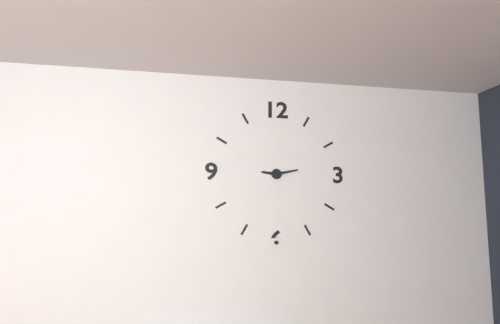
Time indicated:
{"hour": 9, "minute": 13}
